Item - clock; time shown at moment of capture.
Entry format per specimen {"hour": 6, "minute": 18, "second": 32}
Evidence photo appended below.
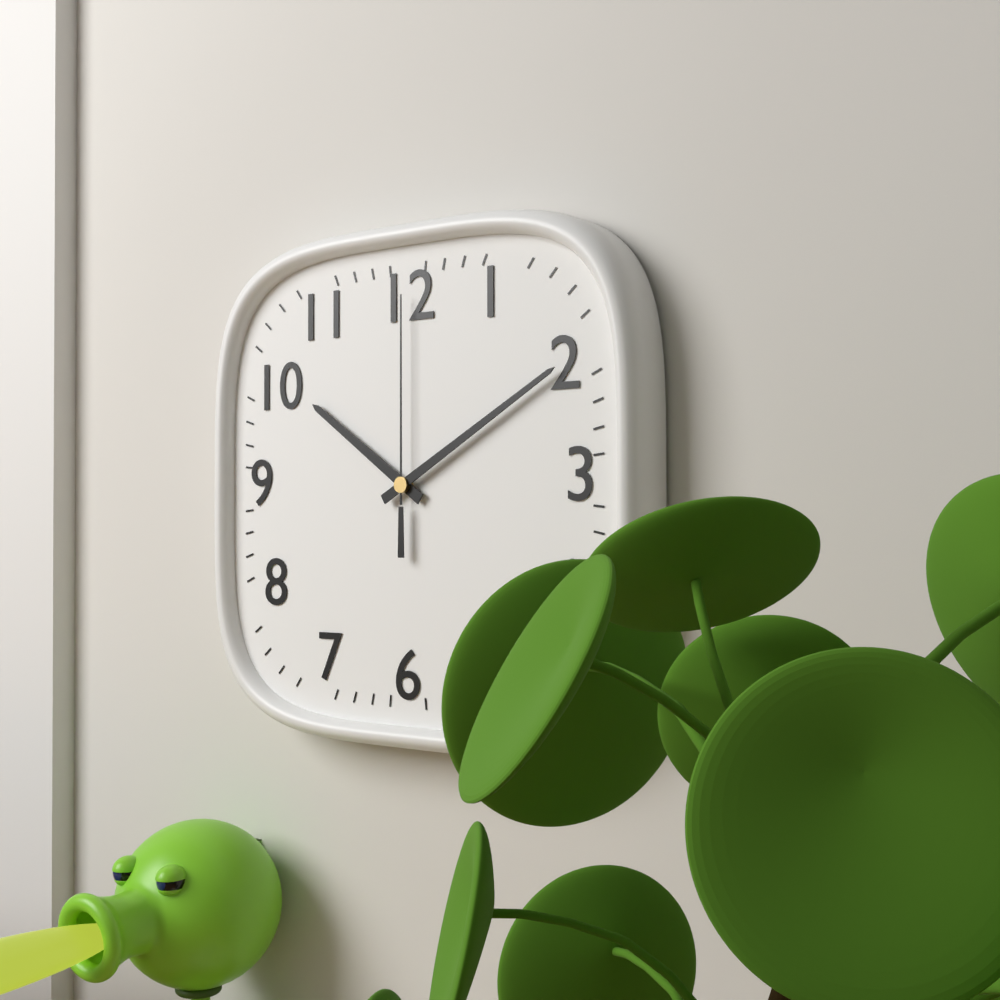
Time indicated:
{"hour": 10, "minute": 10, "second": 0}
